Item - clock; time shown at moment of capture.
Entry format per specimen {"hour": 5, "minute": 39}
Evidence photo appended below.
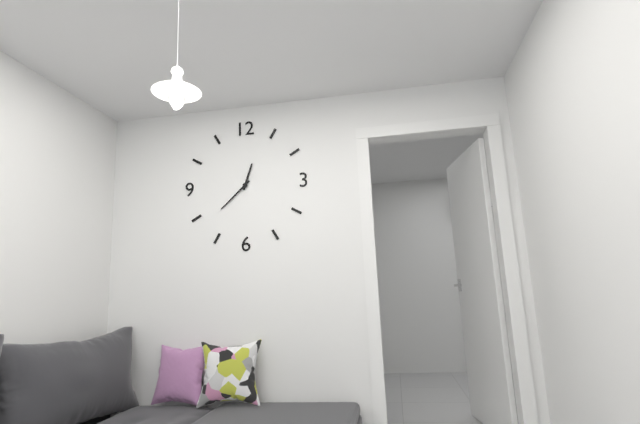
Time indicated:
{"hour": 12, "minute": 38}
